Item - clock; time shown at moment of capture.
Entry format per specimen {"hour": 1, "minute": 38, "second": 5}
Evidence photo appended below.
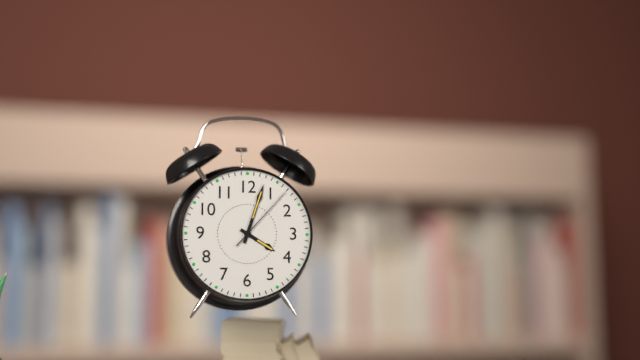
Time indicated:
{"hour": 4, "minute": 3, "second": 7}
